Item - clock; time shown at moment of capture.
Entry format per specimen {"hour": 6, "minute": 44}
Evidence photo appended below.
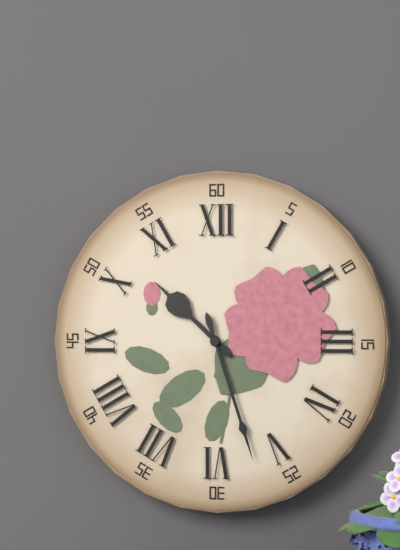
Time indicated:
{"hour": 10, "minute": 27}
